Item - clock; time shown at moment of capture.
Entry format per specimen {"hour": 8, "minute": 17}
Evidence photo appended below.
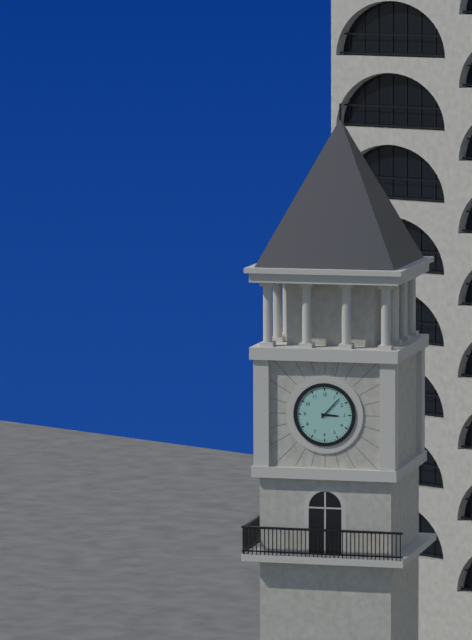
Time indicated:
{"hour": 3, "minute": 7}
